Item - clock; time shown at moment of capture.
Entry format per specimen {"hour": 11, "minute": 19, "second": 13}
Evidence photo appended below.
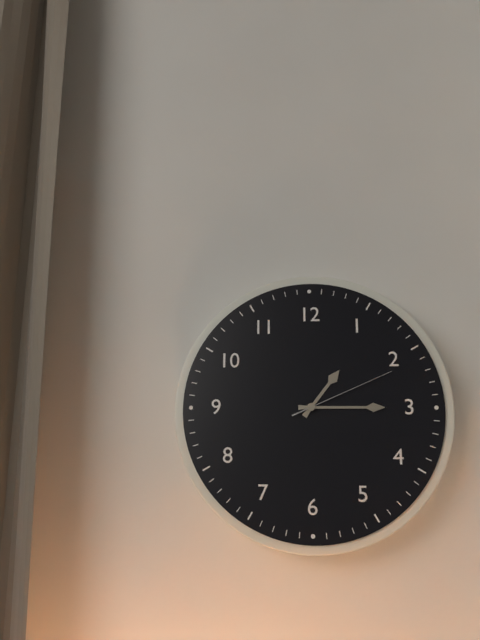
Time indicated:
{"hour": 1, "minute": 15, "second": 11}
